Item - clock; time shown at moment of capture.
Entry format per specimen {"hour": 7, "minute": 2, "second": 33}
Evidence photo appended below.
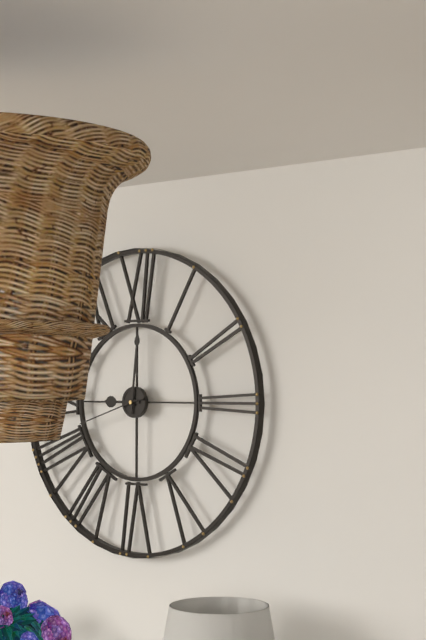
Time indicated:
{"hour": 9, "minute": 1, "second": 42}
